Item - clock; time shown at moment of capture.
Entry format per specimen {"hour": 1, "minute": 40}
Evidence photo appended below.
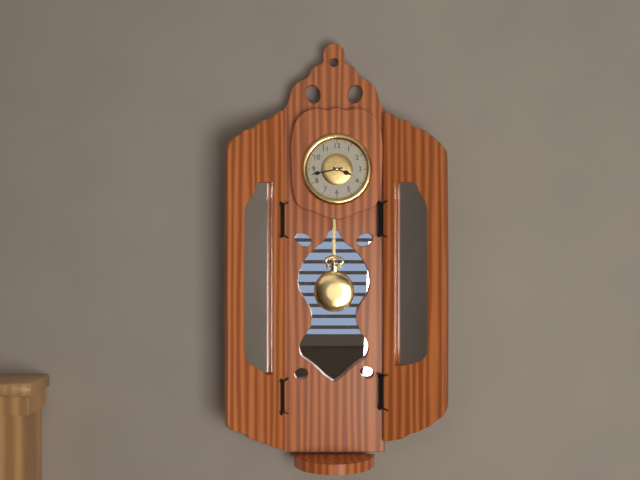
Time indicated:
{"hour": 3, "minute": 43}
